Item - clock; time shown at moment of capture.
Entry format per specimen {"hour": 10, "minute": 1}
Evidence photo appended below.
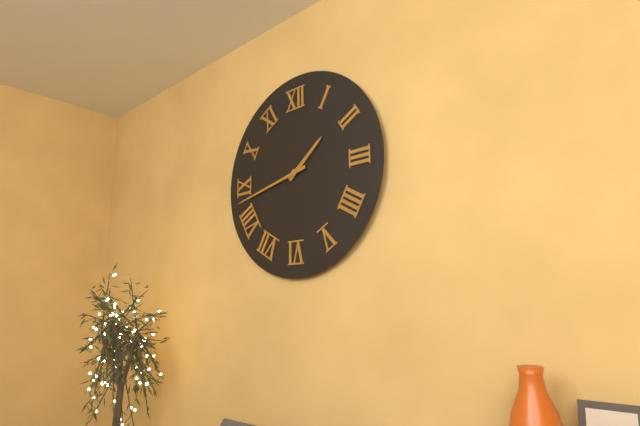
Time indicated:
{"hour": 1, "minute": 43}
